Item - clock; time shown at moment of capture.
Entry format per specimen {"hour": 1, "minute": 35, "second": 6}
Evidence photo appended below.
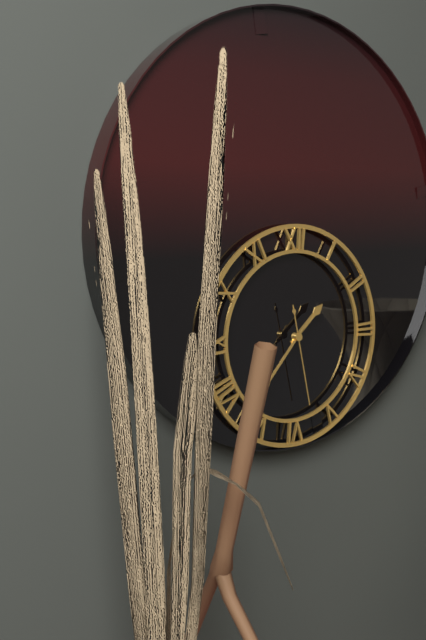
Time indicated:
{"hour": 1, "minute": 37, "second": 28}
